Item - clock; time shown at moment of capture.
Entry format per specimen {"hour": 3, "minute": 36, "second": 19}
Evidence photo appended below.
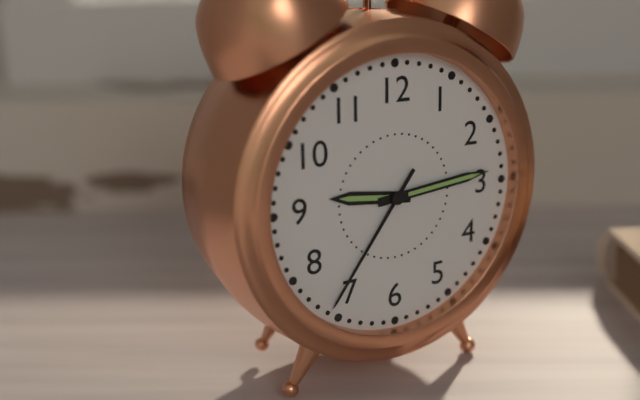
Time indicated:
{"hour": 9, "minute": 14, "second": 36}
